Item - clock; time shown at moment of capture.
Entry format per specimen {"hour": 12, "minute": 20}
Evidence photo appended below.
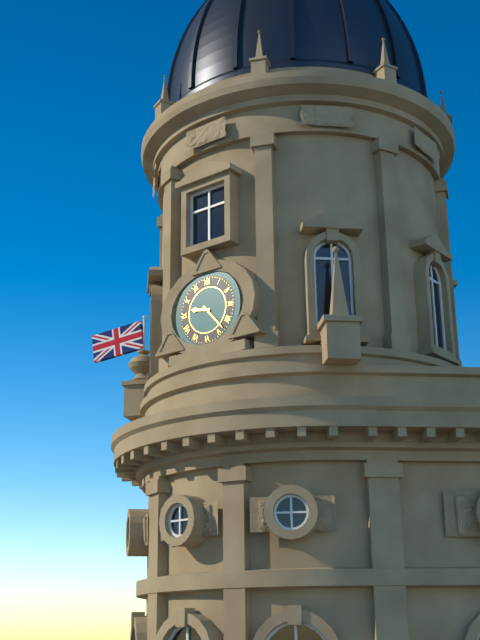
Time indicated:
{"hour": 9, "minute": 23}
